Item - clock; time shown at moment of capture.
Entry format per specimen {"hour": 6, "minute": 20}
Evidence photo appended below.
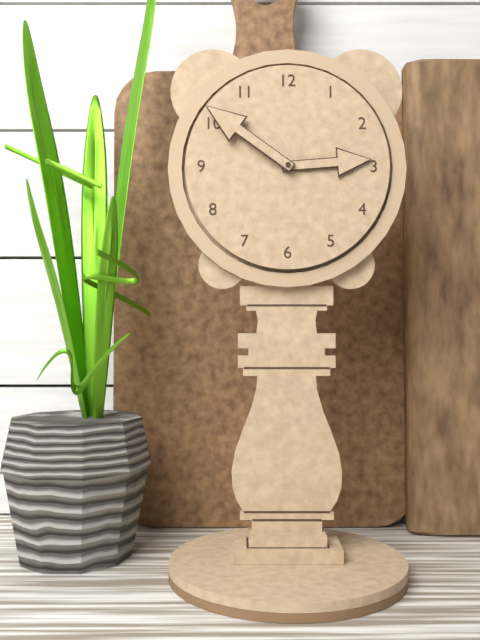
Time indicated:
{"hour": 2, "minute": 51}
